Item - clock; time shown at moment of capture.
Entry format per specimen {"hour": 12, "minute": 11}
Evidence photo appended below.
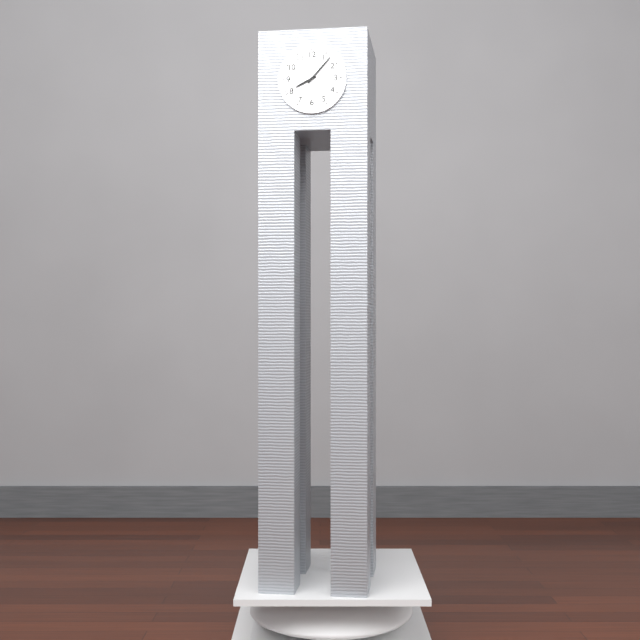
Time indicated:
{"hour": 8, "minute": 7}
